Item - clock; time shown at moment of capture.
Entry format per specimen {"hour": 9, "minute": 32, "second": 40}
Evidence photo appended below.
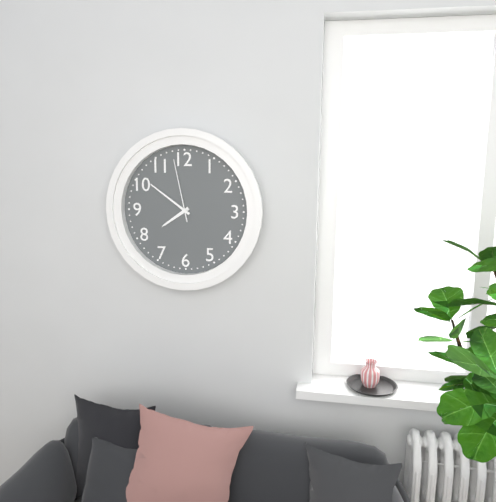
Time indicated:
{"hour": 7, "minute": 51, "second": 58}
